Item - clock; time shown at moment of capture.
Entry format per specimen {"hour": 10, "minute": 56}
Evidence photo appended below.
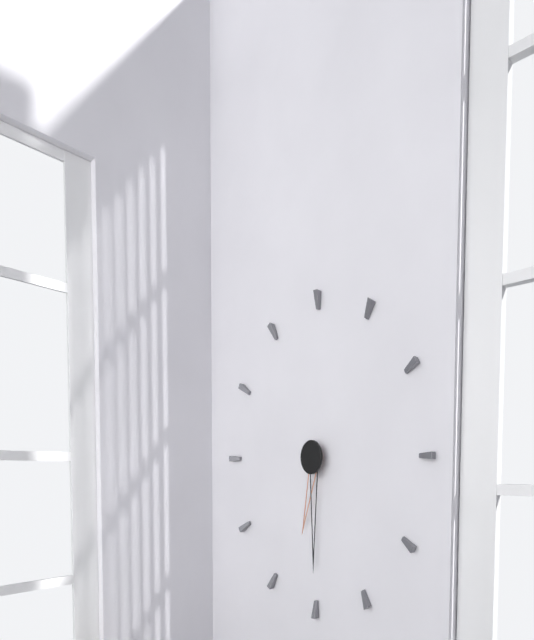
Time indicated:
{"hour": 6, "minute": 30}
